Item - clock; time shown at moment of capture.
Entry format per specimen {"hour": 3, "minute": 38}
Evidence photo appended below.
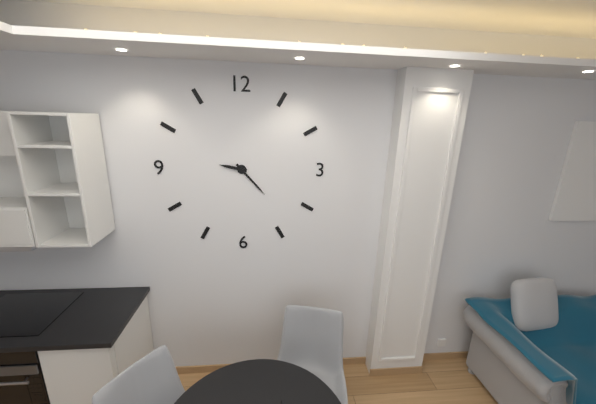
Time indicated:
{"hour": 9, "minute": 23}
